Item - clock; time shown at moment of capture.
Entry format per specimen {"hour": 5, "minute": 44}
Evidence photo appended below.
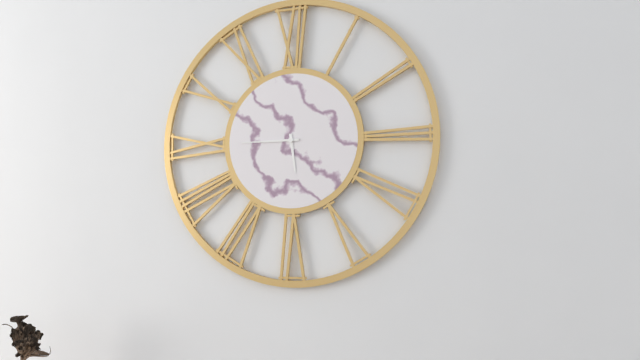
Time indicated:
{"hour": 5, "minute": 45}
